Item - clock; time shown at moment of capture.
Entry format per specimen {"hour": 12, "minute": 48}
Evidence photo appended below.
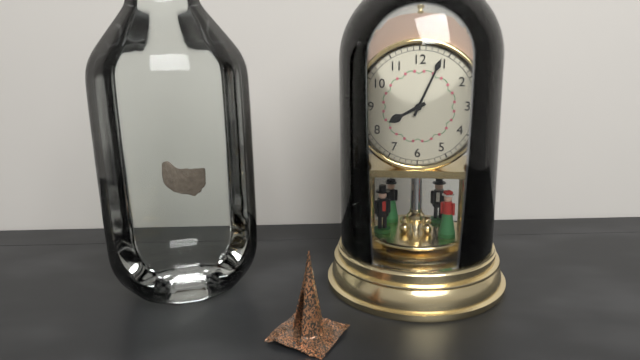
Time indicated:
{"hour": 8, "minute": 4}
